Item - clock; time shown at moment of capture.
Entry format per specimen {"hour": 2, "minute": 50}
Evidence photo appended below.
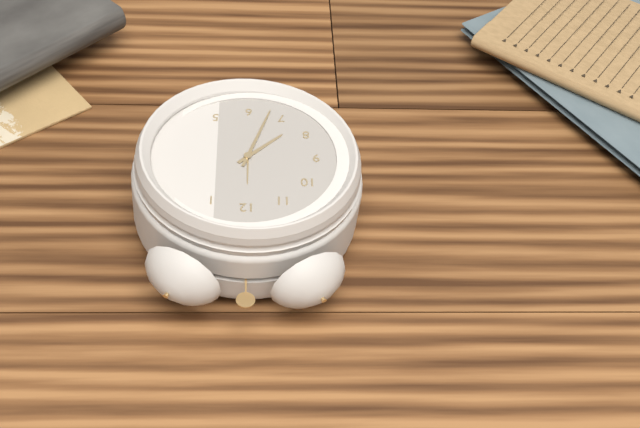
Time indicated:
{"hour": 7, "minute": 33}
